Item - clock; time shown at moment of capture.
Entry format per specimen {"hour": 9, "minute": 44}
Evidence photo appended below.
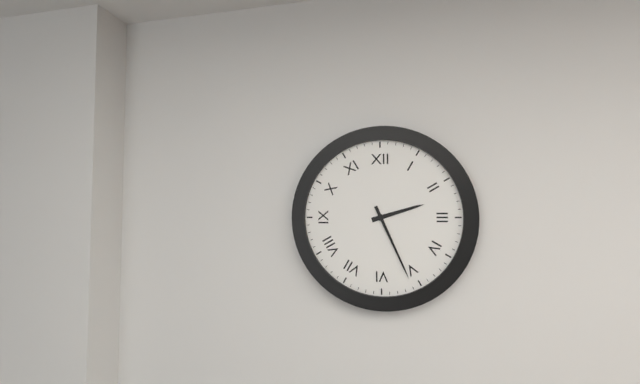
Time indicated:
{"hour": 2, "minute": 26}
